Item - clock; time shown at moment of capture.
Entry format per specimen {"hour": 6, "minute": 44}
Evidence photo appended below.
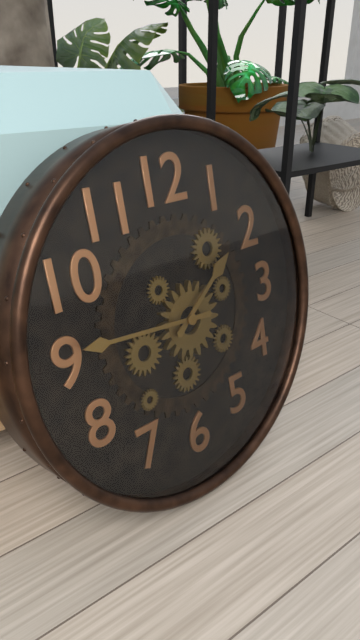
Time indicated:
{"hour": 1, "minute": 46}
